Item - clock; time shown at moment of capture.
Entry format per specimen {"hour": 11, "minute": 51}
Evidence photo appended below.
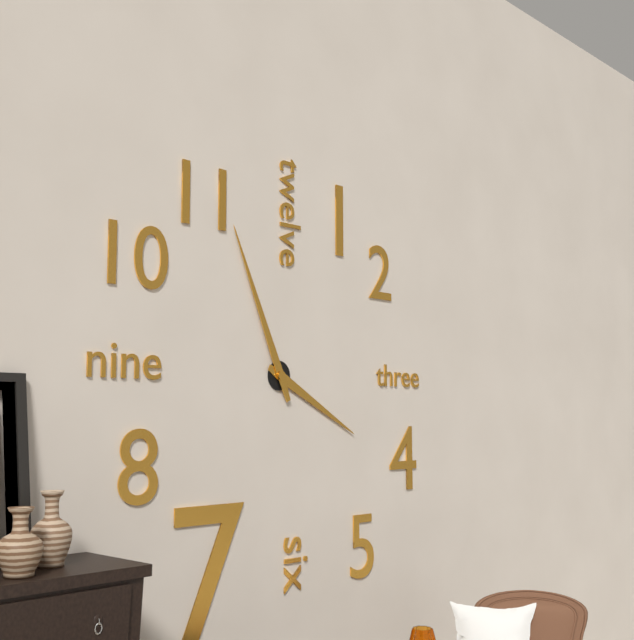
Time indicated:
{"hour": 3, "minute": 56}
